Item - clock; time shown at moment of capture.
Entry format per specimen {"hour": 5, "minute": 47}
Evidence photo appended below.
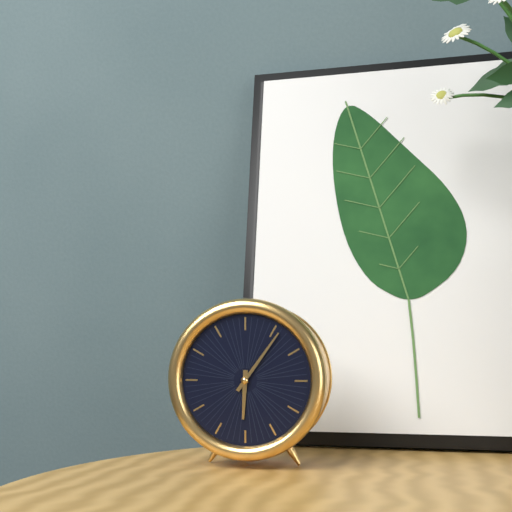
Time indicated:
{"hour": 6, "minute": 6}
